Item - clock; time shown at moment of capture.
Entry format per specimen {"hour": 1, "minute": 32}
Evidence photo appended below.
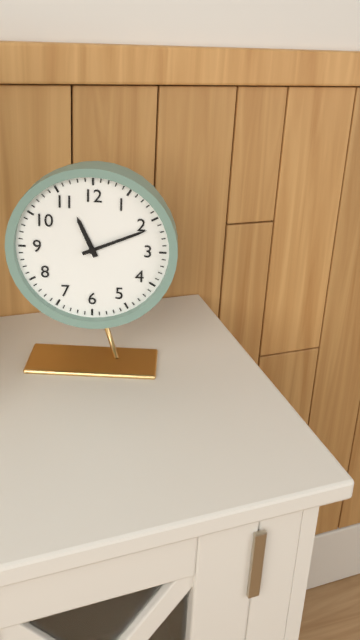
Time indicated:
{"hour": 11, "minute": 11}
